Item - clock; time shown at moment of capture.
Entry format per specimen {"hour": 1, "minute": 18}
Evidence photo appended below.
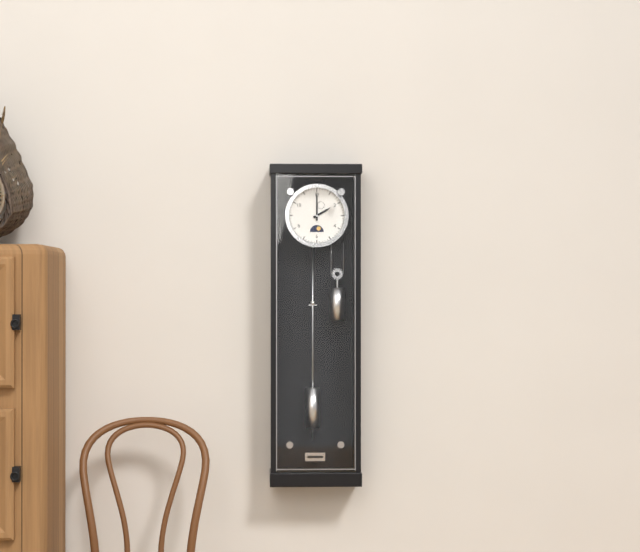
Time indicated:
{"hour": 2, "minute": 0}
